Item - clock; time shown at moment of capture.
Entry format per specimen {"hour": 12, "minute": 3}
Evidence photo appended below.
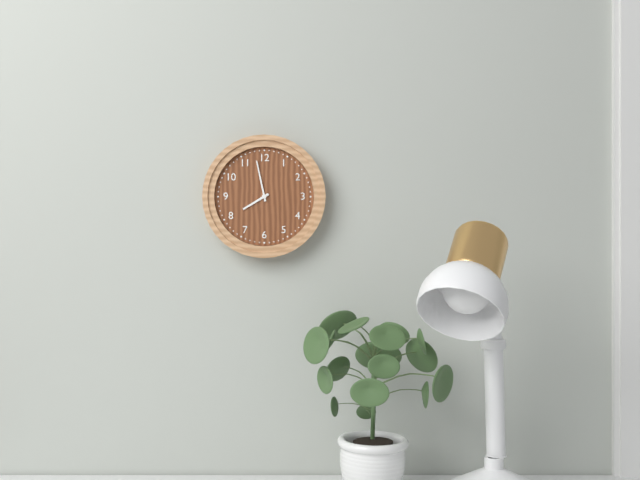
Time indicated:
{"hour": 7, "minute": 58}
